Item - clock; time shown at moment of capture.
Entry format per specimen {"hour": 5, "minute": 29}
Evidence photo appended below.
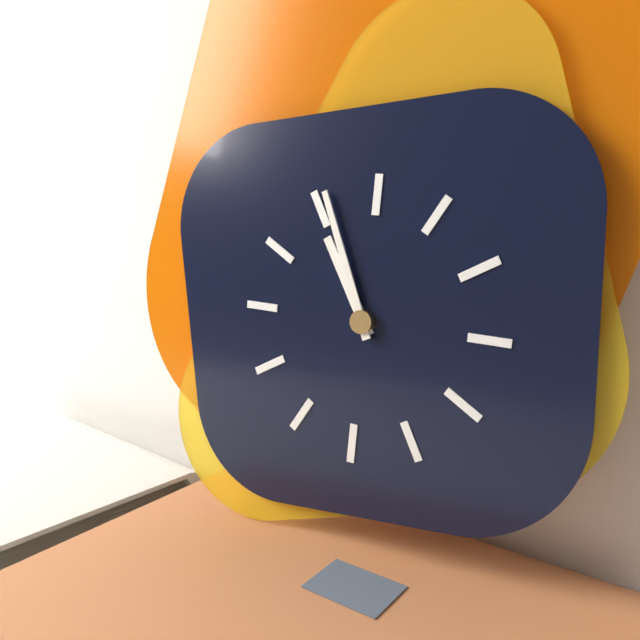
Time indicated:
{"hour": 10, "minute": 56}
